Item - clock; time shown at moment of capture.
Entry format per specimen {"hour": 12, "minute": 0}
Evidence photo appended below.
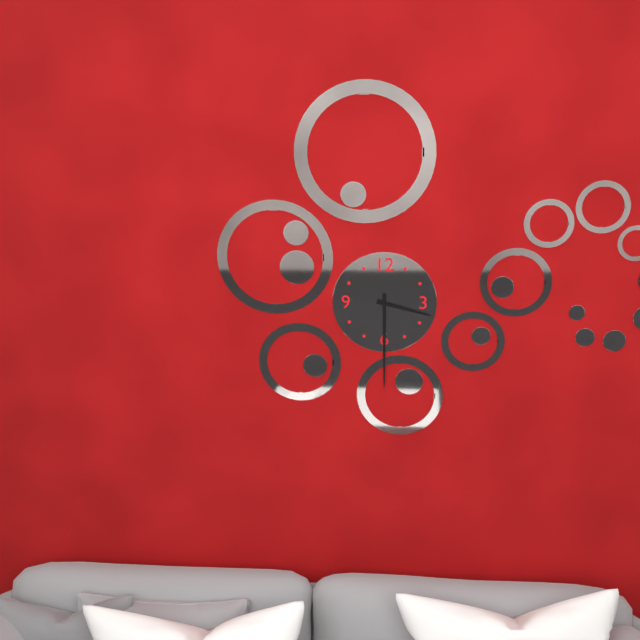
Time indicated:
{"hour": 3, "minute": 30}
